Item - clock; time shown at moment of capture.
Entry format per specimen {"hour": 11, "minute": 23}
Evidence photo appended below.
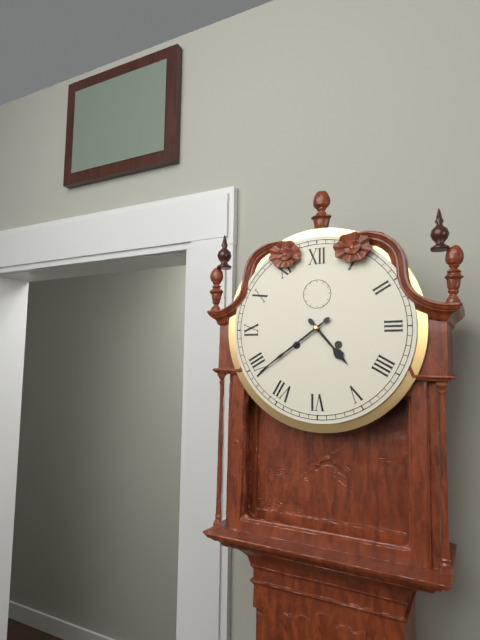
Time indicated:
{"hour": 4, "minute": 39}
